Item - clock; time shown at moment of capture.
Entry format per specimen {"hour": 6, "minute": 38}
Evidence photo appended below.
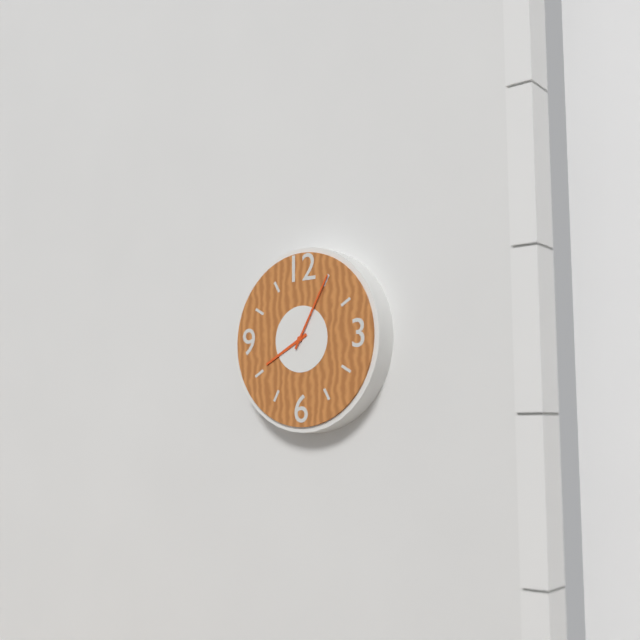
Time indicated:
{"hour": 8, "minute": 5}
